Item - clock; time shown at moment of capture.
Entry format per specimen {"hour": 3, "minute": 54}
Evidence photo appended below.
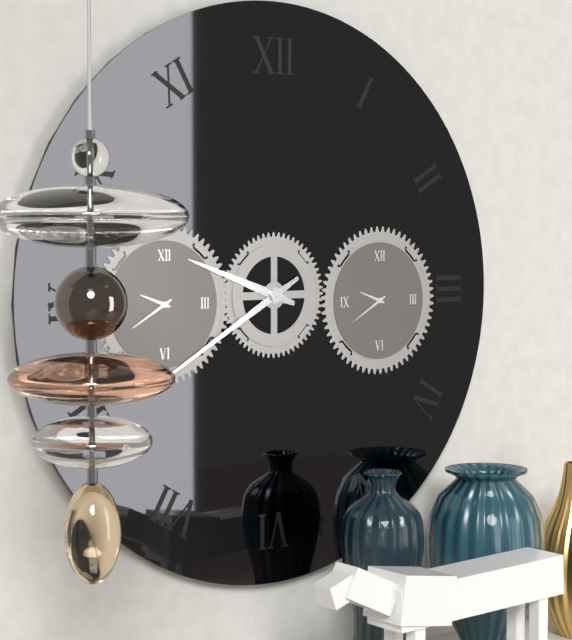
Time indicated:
{"hour": 9, "minute": 40}
